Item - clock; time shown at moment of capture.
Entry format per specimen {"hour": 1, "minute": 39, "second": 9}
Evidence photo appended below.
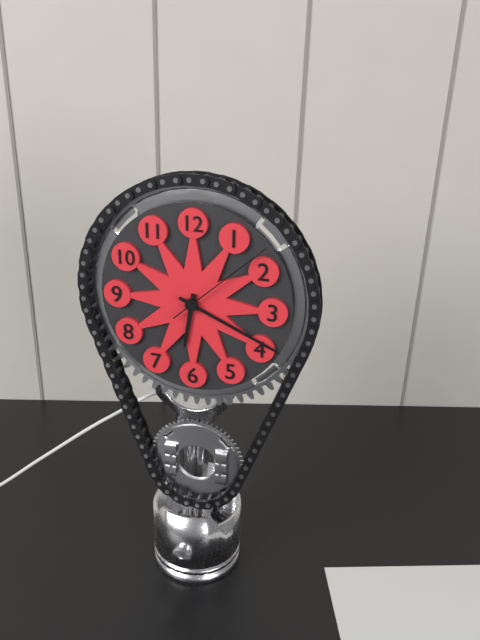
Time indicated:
{"hour": 6, "minute": 19, "second": 8}
